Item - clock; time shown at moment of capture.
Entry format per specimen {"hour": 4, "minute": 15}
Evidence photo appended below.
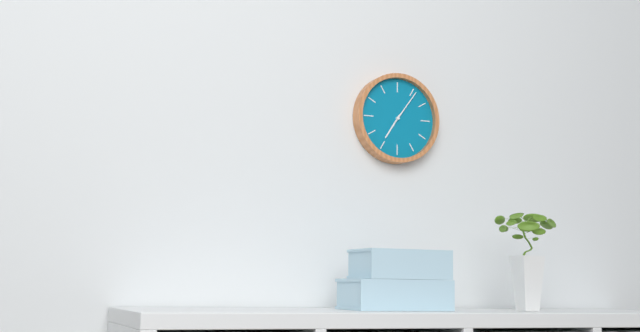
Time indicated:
{"hour": 7, "minute": 6}
